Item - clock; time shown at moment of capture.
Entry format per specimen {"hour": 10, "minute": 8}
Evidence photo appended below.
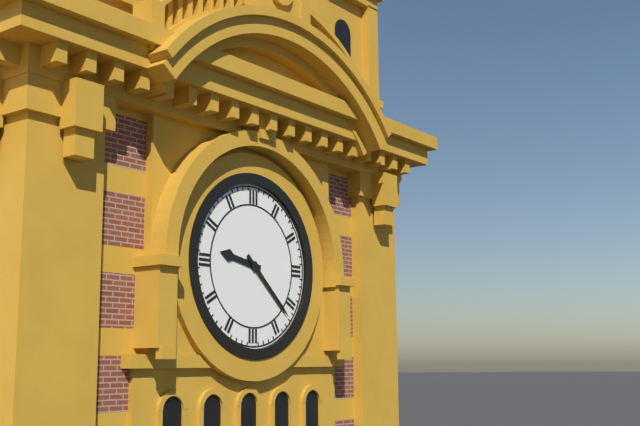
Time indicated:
{"hour": 9, "minute": 22}
